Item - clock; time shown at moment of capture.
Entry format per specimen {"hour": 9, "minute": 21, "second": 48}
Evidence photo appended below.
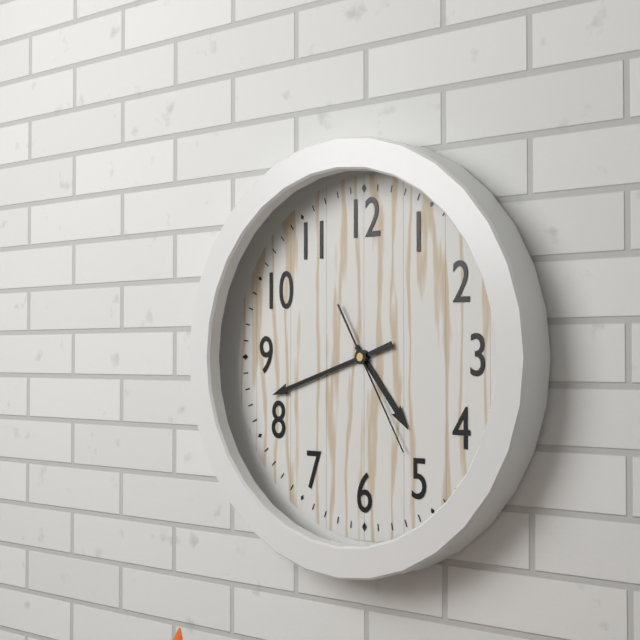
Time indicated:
{"hour": 4, "minute": 42, "second": 25}
